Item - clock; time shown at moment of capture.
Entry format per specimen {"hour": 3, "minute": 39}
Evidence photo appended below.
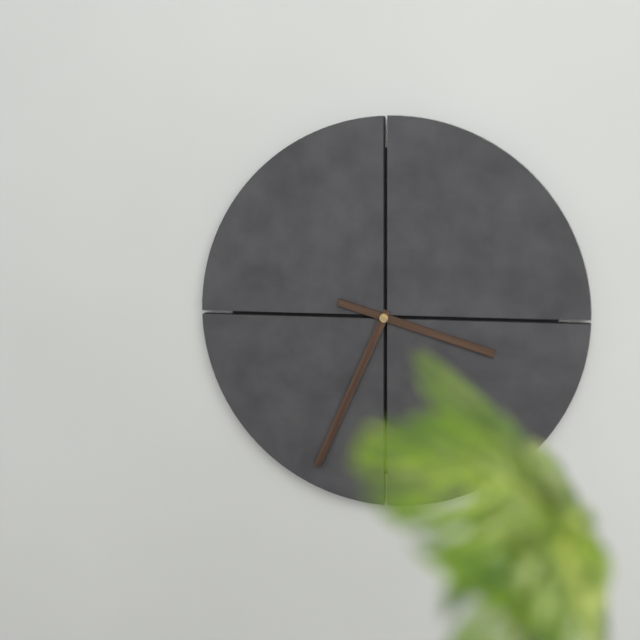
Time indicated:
{"hour": 3, "minute": 34}
